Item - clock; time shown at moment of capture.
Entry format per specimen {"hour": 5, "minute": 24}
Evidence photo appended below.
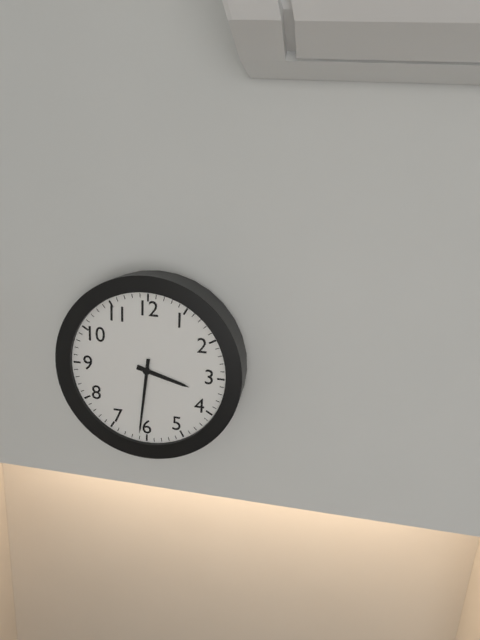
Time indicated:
{"hour": 3, "minute": 31}
